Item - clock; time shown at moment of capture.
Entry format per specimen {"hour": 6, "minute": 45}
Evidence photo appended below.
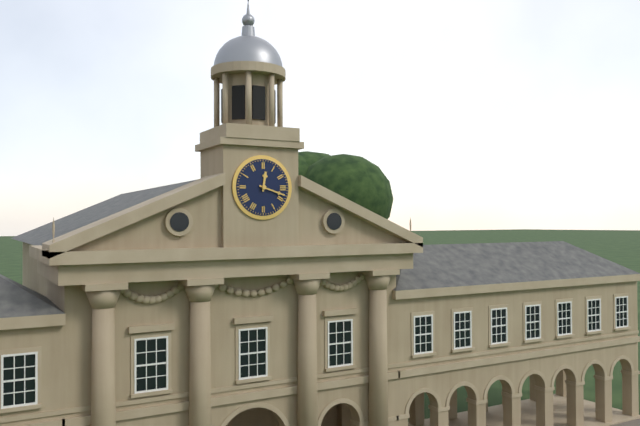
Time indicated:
{"hour": 12, "minute": 18}
